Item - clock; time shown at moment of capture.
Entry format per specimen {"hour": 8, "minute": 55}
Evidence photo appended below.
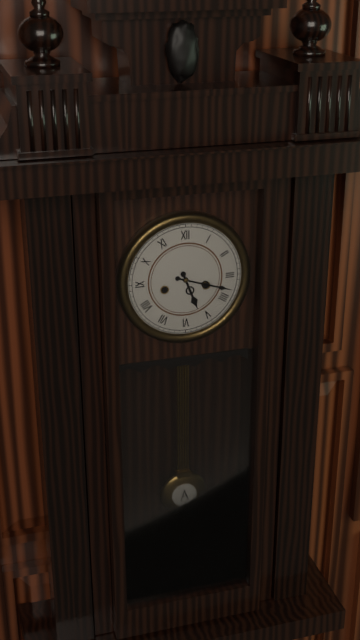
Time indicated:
{"hour": 5, "minute": 18}
